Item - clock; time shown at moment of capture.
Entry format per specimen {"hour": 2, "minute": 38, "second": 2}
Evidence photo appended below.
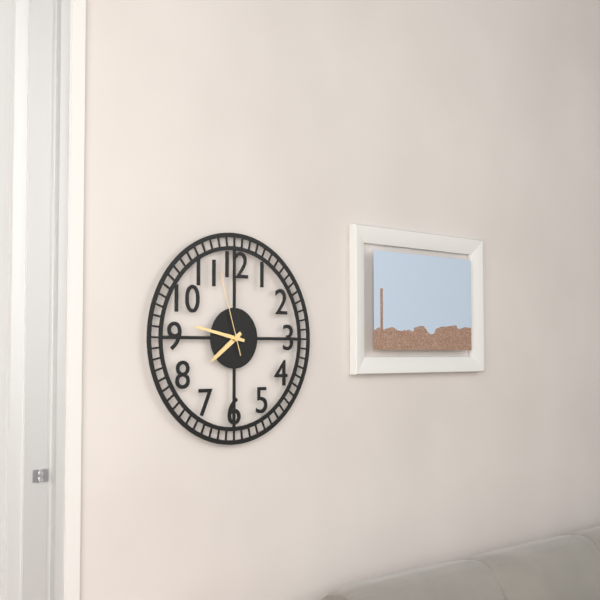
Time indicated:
{"hour": 7, "minute": 47, "second": 57}
